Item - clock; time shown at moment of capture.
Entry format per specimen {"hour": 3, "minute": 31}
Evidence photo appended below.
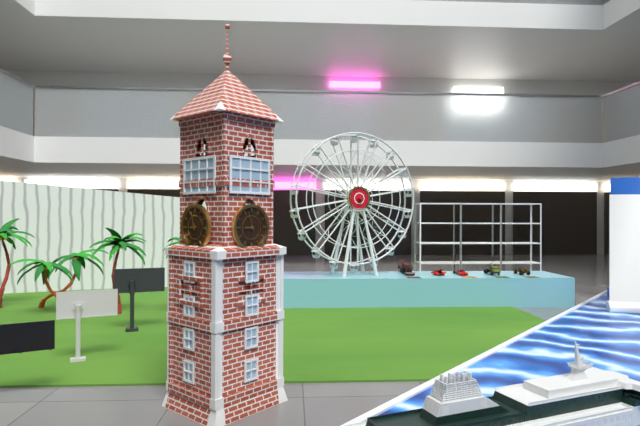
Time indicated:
{"hour": 8, "minute": 57}
